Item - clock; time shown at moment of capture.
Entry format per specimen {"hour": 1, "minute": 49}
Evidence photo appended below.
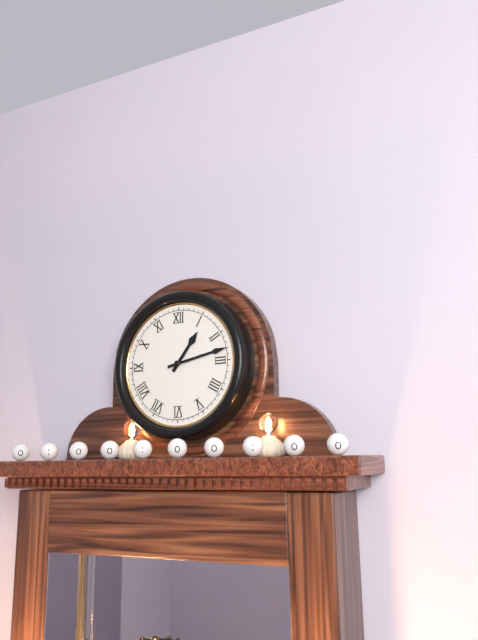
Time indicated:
{"hour": 1, "minute": 13}
